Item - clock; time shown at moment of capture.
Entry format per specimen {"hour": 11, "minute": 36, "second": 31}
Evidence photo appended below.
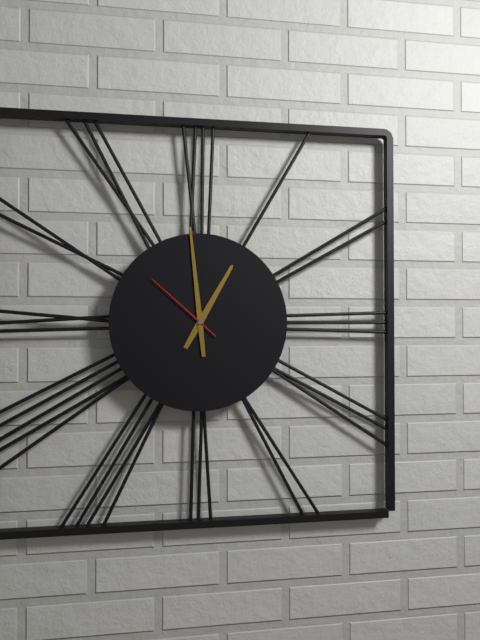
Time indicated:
{"hour": 12, "minute": 59, "second": 52}
